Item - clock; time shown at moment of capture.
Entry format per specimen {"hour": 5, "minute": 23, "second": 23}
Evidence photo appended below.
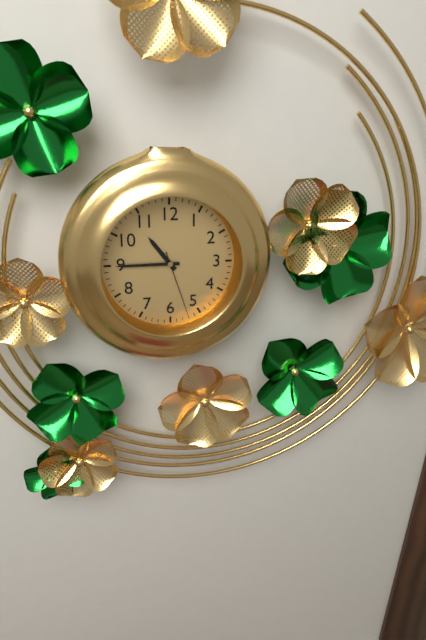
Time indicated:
{"hour": 10, "minute": 45, "second": 27}
